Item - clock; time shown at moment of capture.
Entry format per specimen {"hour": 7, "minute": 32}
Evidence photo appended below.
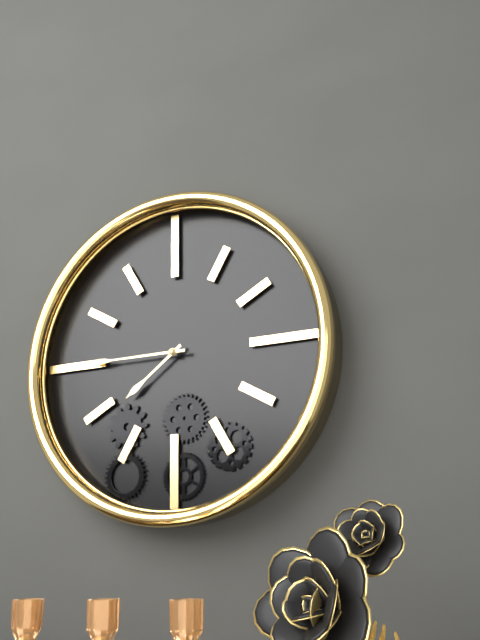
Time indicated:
{"hour": 7, "minute": 45}
